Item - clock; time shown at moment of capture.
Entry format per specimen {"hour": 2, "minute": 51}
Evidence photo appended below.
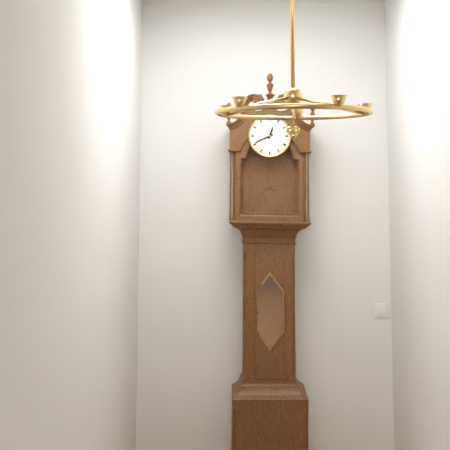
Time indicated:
{"hour": 12, "minute": 41}
